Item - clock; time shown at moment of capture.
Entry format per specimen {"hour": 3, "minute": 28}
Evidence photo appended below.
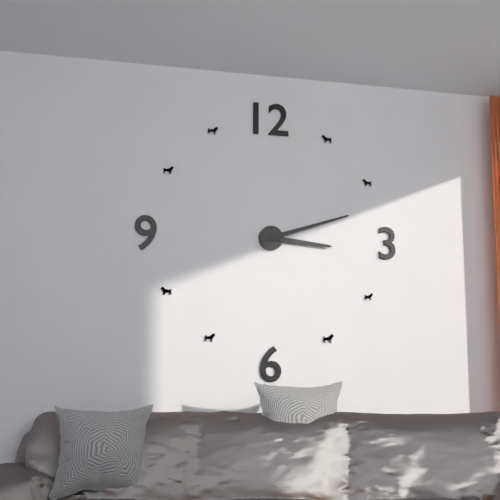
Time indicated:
{"hour": 3, "minute": 12}
